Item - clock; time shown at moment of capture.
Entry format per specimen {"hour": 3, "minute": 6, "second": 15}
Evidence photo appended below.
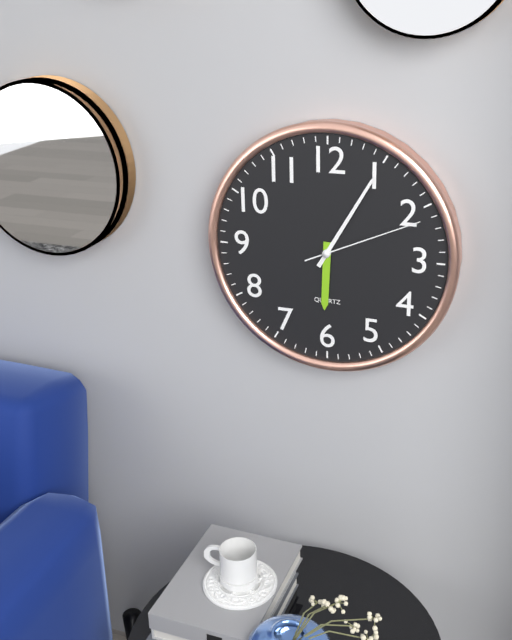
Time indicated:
{"hour": 6, "minute": 5, "second": 11}
